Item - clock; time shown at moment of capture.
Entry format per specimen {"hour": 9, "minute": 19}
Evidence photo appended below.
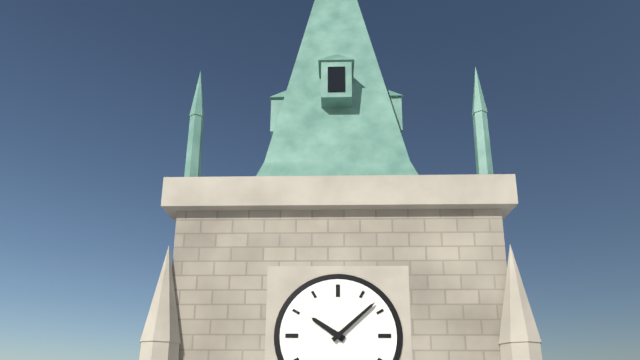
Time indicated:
{"hour": 10, "minute": 8}
